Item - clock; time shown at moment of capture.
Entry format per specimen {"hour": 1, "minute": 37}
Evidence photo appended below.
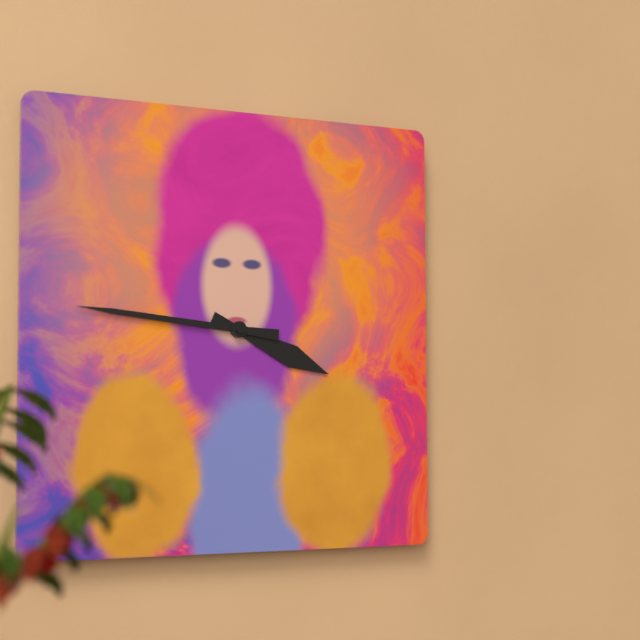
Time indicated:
{"hour": 3, "minute": 46}
